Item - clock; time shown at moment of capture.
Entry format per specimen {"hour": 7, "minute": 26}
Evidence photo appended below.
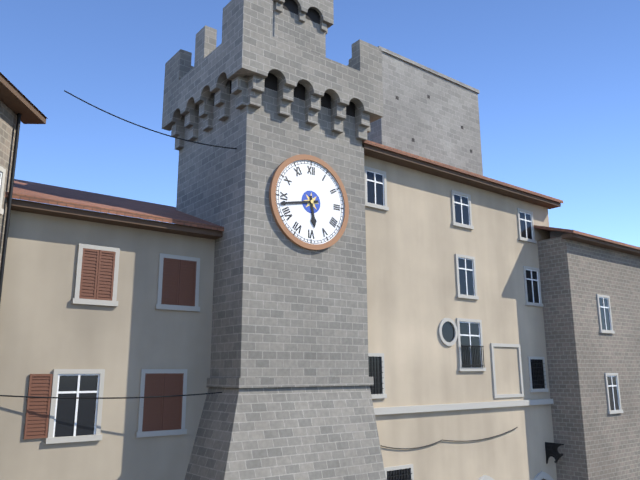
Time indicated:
{"hour": 5, "minute": 43}
